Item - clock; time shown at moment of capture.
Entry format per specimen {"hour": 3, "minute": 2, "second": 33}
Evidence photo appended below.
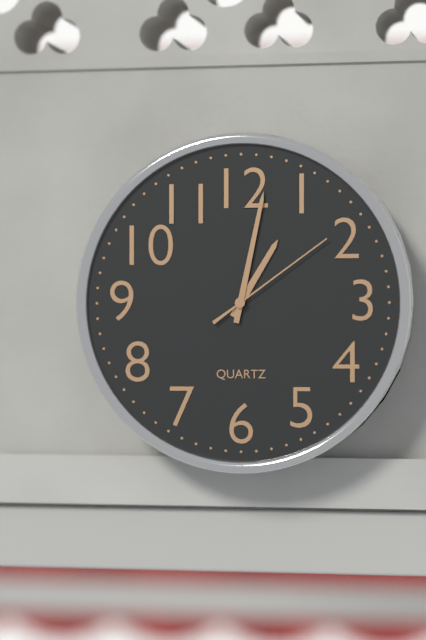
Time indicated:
{"hour": 1, "minute": 2, "second": 9}
